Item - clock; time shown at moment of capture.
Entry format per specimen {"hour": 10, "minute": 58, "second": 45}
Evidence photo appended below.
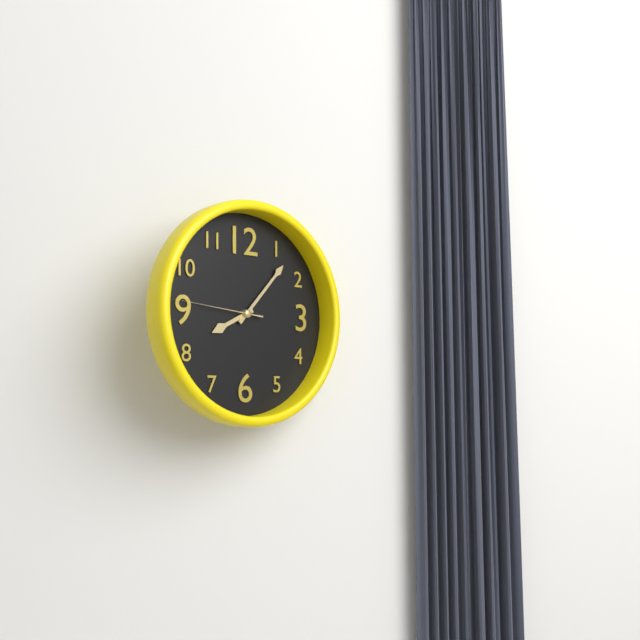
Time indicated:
{"hour": 8, "minute": 7, "second": 46}
